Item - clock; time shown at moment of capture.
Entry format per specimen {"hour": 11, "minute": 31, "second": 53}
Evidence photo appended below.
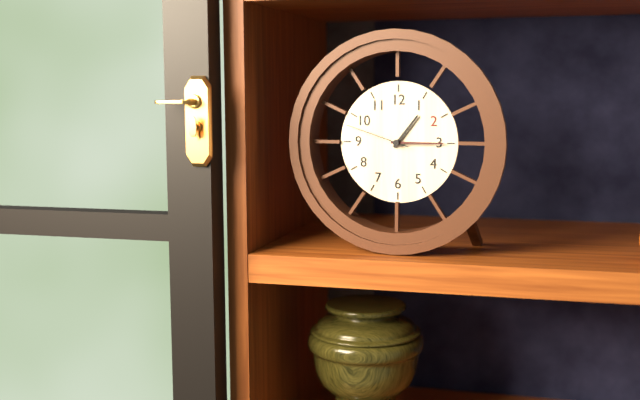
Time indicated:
{"hour": 1, "minute": 15, "second": 48}
